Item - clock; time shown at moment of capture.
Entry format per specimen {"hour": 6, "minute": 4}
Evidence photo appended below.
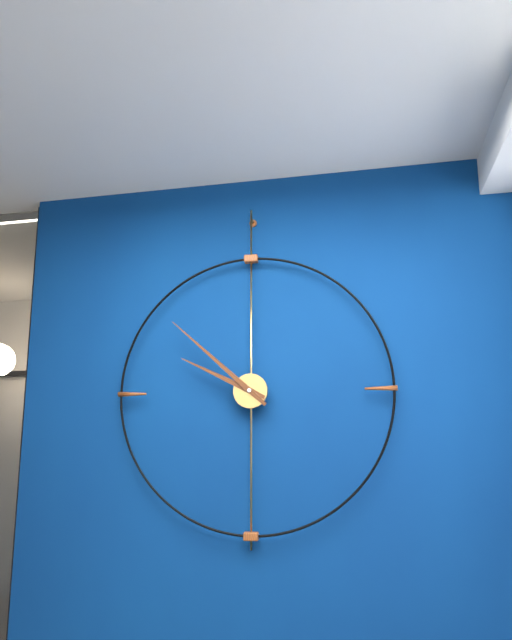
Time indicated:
{"hour": 9, "minute": 52}
